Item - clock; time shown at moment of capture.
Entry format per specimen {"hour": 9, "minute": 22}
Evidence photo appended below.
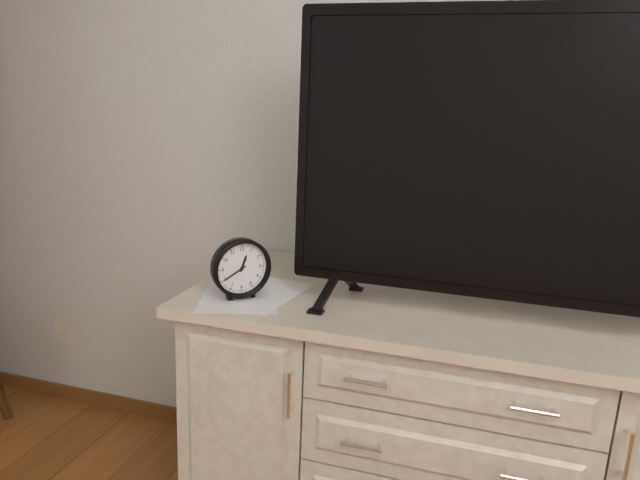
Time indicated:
{"hour": 12, "minute": 40}
